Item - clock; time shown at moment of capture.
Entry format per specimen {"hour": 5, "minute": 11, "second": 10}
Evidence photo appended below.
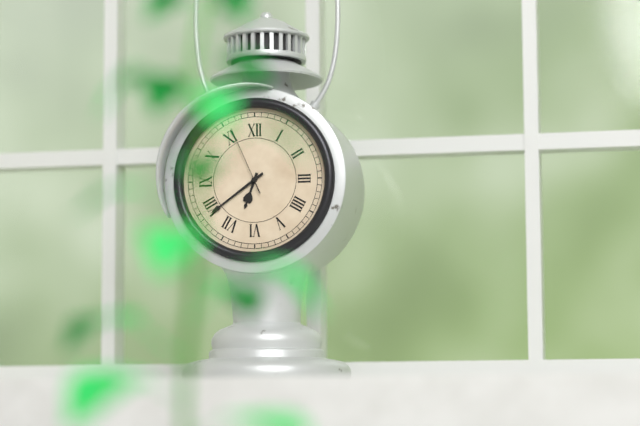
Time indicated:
{"hour": 6, "minute": 39, "second": 56}
